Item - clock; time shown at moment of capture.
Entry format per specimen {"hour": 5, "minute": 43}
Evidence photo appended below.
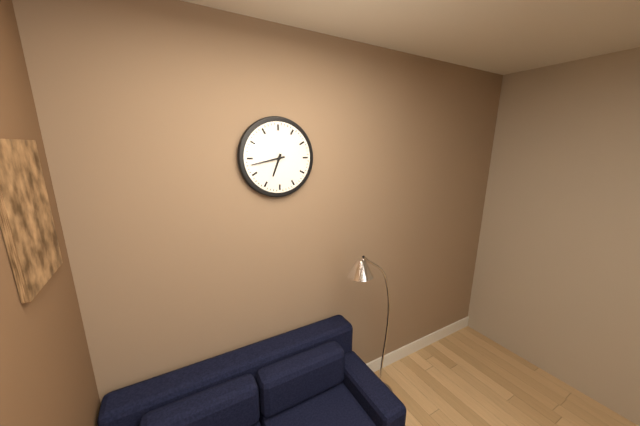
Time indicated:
{"hour": 6, "minute": 43}
